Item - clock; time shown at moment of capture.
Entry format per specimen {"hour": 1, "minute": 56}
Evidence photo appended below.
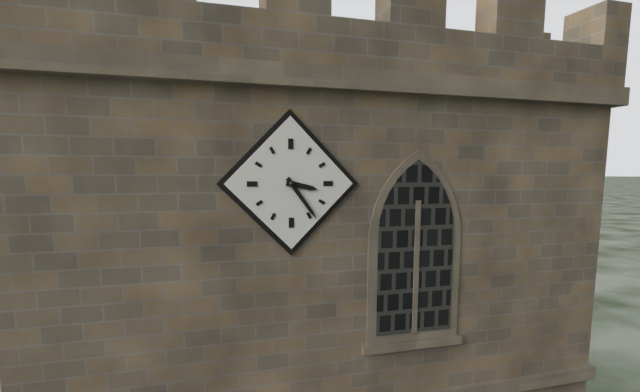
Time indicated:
{"hour": 3, "minute": 24}
